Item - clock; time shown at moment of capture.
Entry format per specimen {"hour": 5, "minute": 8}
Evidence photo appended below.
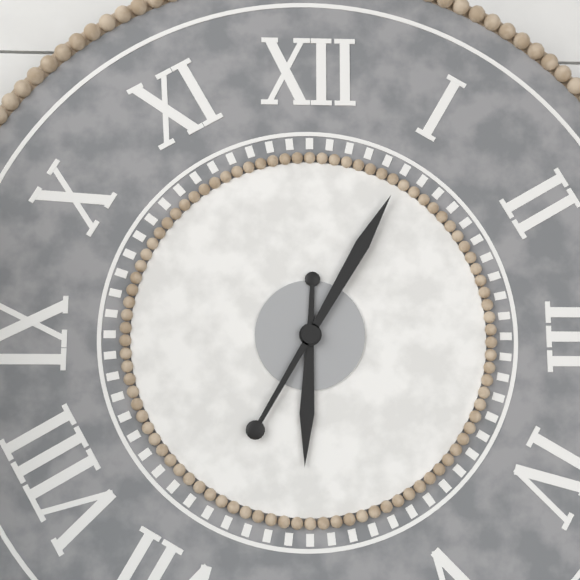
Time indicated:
{"hour": 6, "minute": 5}
